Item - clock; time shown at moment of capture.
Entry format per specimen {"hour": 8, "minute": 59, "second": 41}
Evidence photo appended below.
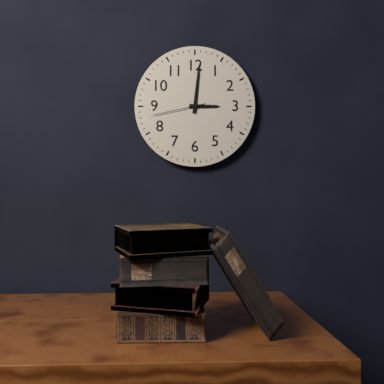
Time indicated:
{"hour": 3, "minute": 1, "second": 43}
